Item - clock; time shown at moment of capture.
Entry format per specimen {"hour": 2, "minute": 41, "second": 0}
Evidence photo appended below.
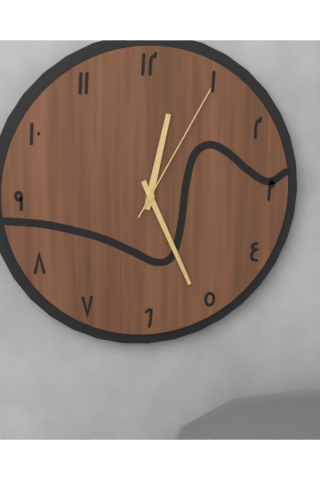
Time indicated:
{"hour": 12, "minute": 26, "second": 5}
